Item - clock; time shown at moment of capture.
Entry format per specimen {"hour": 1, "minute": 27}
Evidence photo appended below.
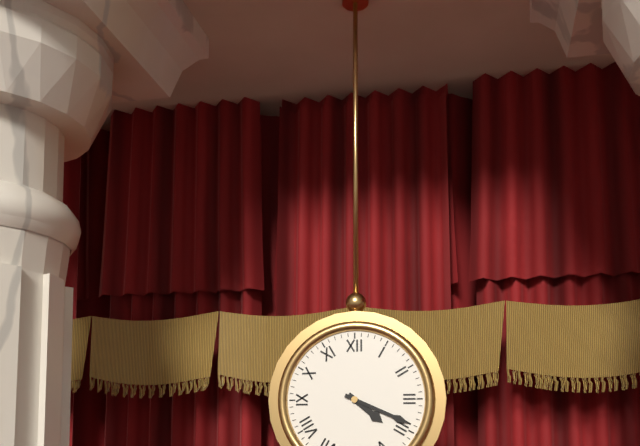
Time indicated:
{"hour": 4, "minute": 19}
